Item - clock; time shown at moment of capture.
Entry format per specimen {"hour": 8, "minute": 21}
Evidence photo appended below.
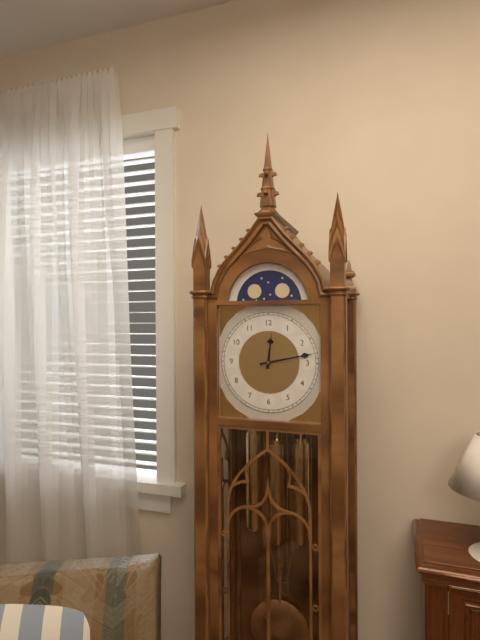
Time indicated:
{"hour": 12, "minute": 13}
